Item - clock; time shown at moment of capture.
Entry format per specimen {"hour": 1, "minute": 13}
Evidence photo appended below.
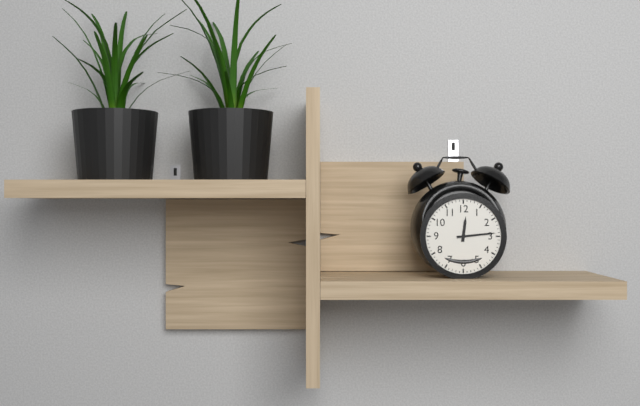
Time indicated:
{"hour": 12, "minute": 14}
